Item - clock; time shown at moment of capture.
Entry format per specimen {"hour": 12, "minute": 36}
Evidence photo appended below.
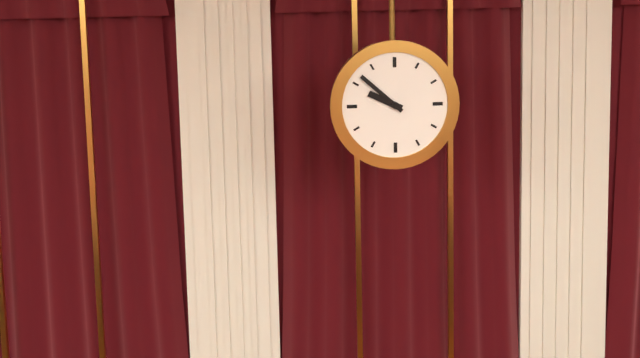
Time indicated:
{"hour": 9, "minute": 52}
